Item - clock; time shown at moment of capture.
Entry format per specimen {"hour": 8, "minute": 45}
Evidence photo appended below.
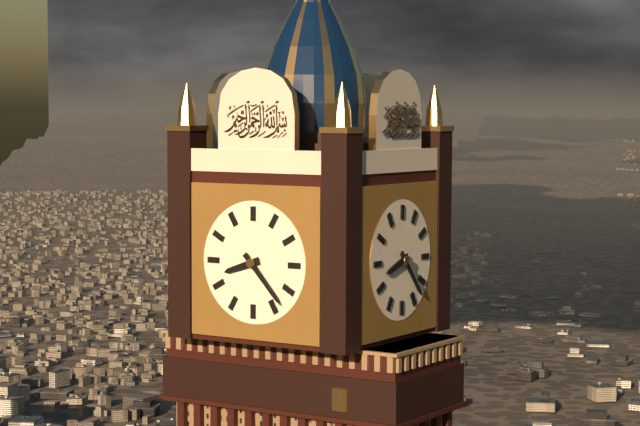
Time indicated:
{"hour": 8, "minute": 23}
